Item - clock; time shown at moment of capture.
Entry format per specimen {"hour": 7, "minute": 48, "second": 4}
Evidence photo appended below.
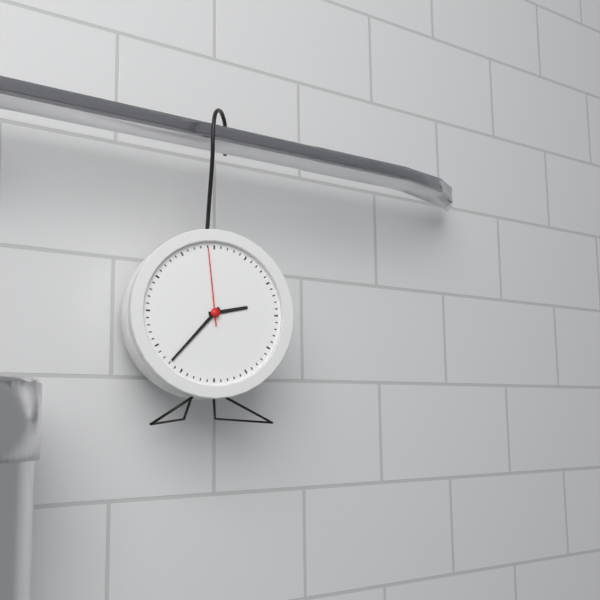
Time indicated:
{"hour": 2, "minute": 37, "second": 59}
